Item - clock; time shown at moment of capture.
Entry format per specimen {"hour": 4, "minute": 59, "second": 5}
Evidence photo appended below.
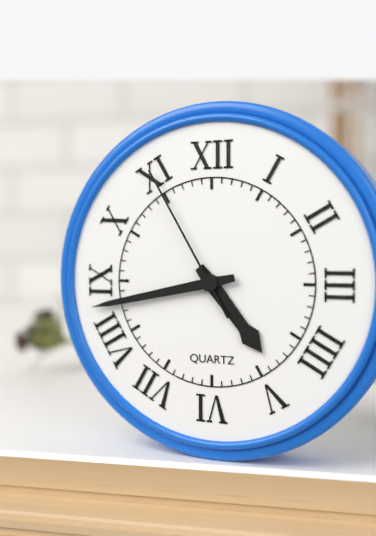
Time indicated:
{"hour": 4, "minute": 43, "second": 55}
